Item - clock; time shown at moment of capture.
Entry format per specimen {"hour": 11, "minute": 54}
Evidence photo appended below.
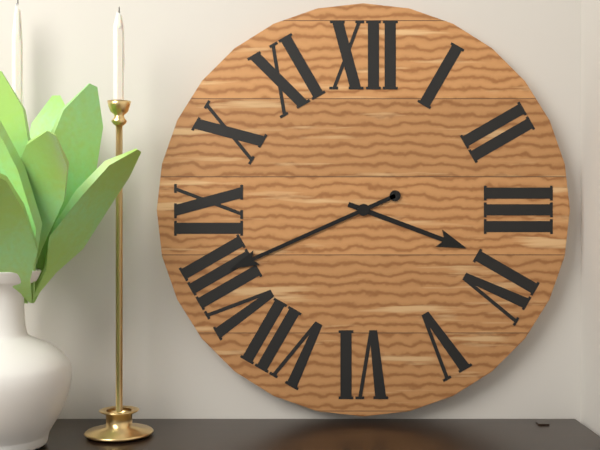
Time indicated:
{"hour": 3, "minute": 41}
